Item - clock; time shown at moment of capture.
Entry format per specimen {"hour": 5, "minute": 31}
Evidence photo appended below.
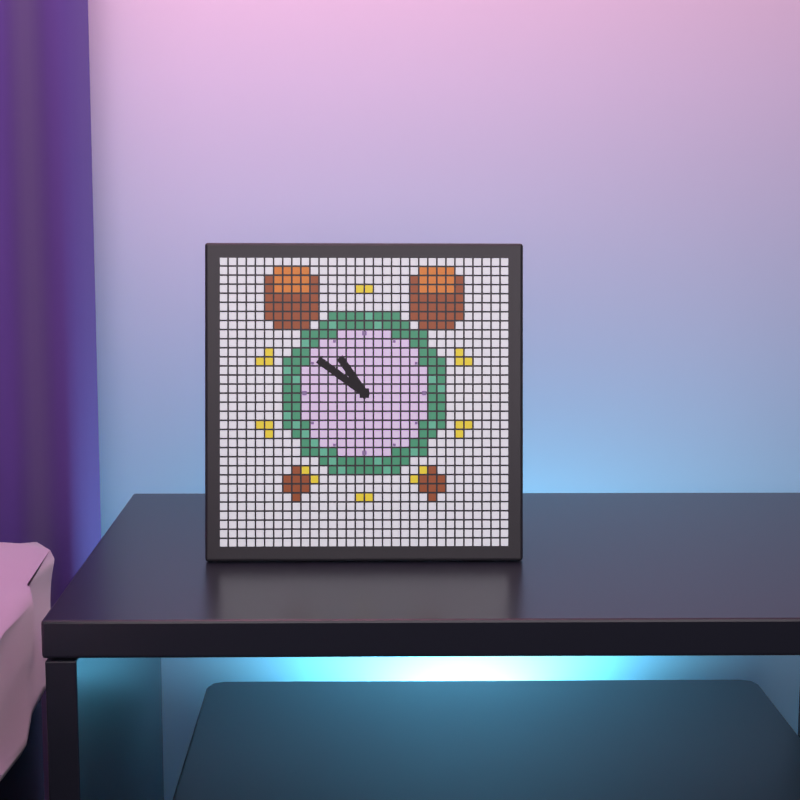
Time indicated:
{"hour": 10, "minute": 51}
